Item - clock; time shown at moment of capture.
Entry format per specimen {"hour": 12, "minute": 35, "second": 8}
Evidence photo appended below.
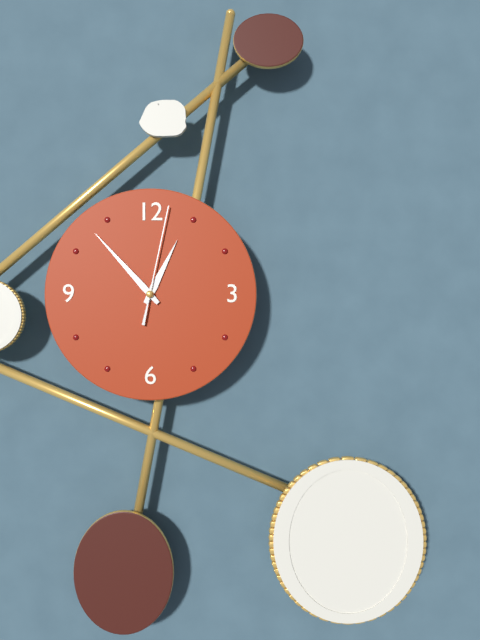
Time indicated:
{"hour": 12, "minute": 53, "second": 2}
